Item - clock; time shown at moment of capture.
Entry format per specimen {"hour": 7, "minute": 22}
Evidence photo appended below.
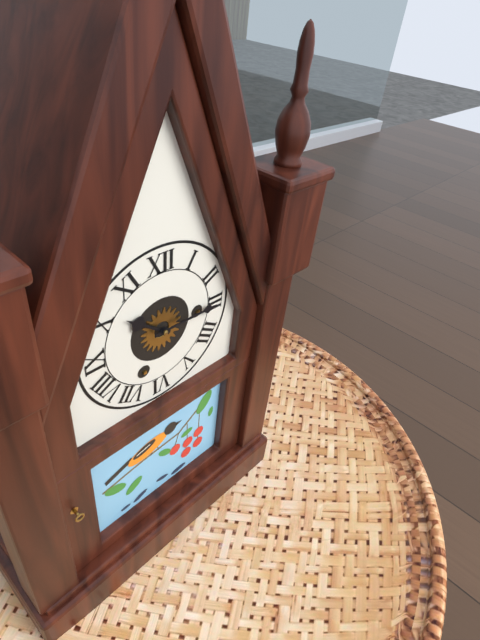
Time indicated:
{"hour": 10, "minute": 15}
